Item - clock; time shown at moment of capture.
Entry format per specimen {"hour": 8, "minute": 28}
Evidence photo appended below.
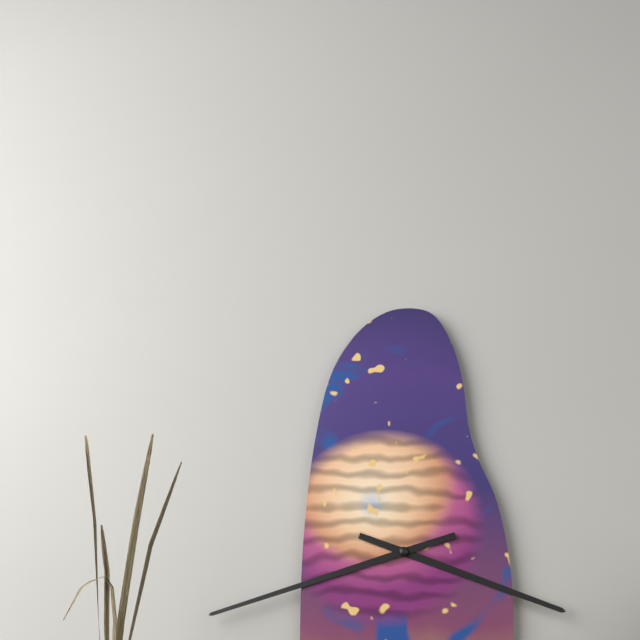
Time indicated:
{"hour": 3, "minute": 42}
